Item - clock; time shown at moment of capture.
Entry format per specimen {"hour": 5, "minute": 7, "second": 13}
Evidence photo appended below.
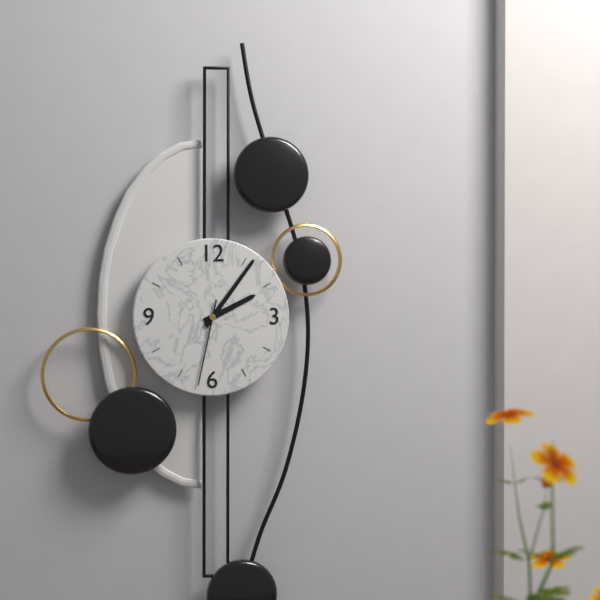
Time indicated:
{"hour": 2, "minute": 6, "second": 32}
